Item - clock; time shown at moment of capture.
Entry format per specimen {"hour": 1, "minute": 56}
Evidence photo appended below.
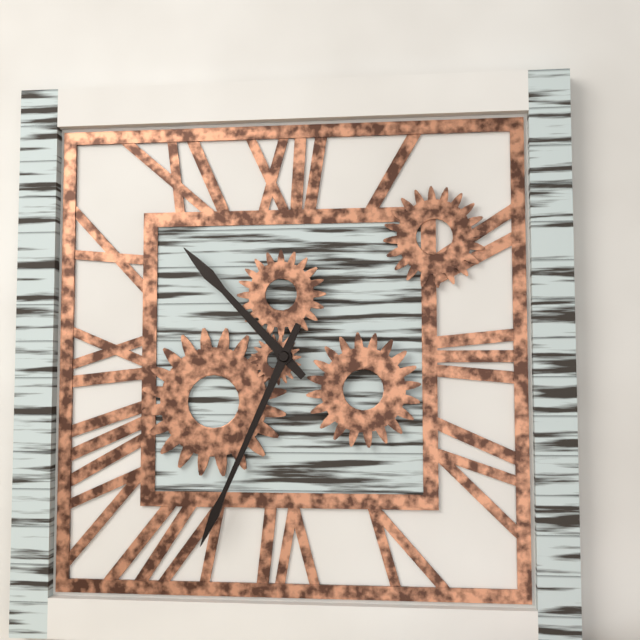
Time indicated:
{"hour": 10, "minute": 34}
